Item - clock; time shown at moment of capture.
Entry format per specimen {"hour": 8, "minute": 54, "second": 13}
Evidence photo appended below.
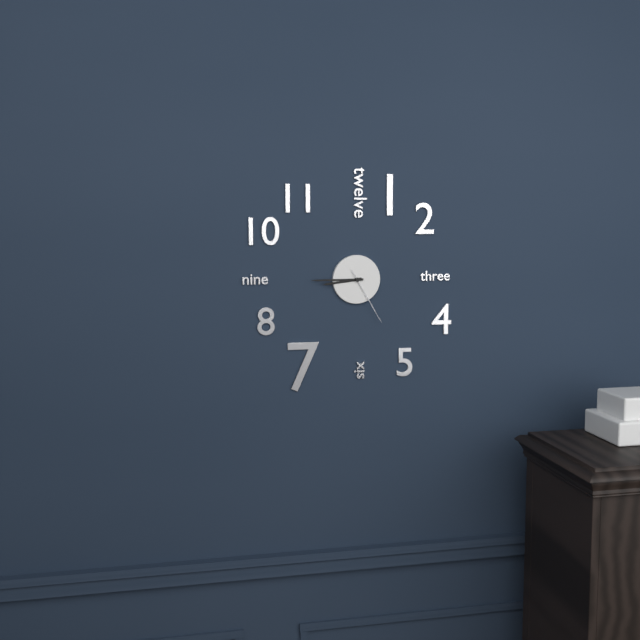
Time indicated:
{"hour": 8, "minute": 45, "second": 25}
